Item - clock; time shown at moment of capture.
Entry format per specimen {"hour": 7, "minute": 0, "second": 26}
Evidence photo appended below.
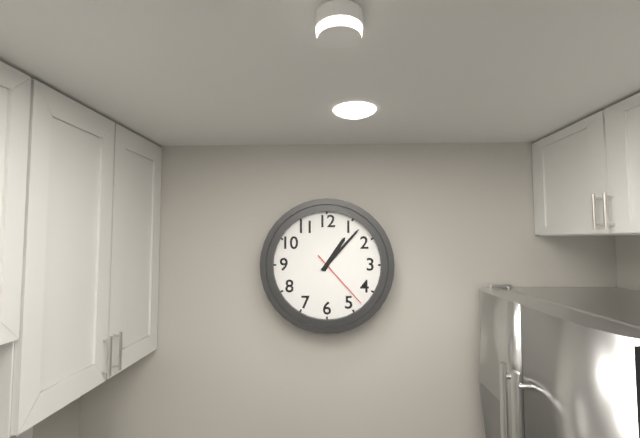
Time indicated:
{"hour": 1, "minute": 7, "second": 23}
